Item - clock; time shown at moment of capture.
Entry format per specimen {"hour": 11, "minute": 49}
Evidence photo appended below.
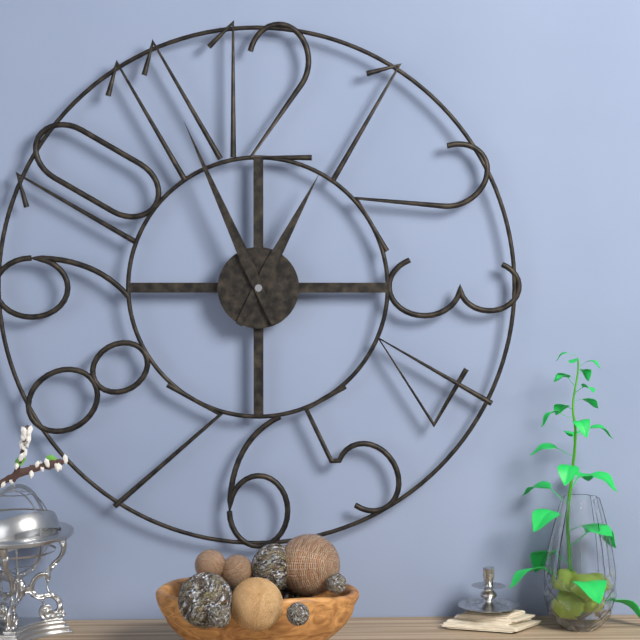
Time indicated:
{"hour": 12, "minute": 56}
